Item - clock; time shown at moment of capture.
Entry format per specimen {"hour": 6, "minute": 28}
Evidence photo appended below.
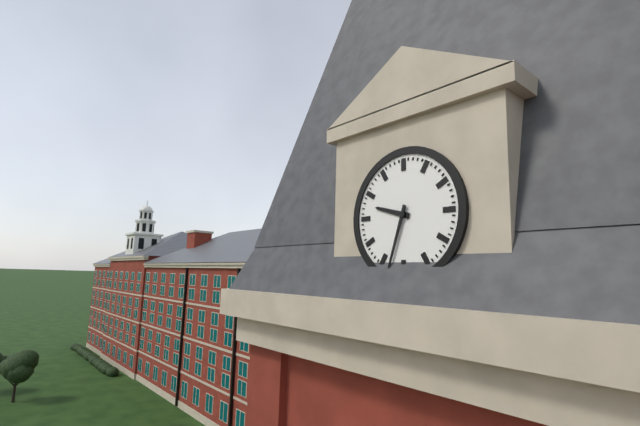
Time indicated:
{"hour": 9, "minute": 33}
